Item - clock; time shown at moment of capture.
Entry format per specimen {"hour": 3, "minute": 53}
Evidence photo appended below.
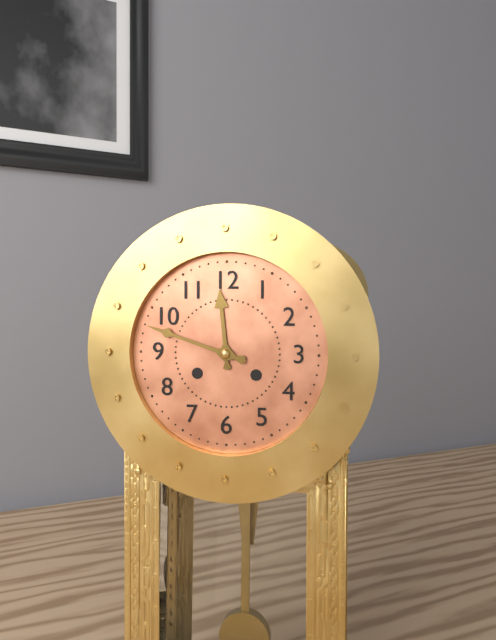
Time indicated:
{"hour": 11, "minute": 48}
